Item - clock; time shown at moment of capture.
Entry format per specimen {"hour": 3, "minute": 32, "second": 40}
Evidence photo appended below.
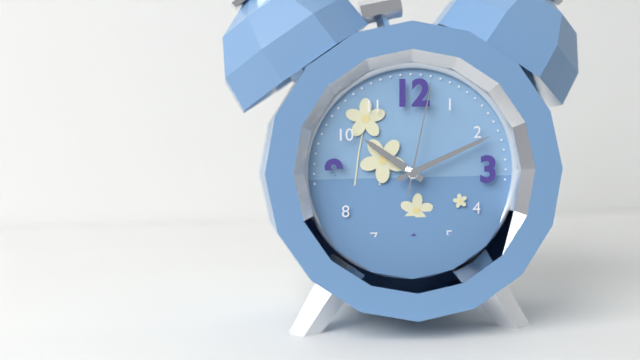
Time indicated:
{"hour": 10, "minute": 11, "second": 2}
